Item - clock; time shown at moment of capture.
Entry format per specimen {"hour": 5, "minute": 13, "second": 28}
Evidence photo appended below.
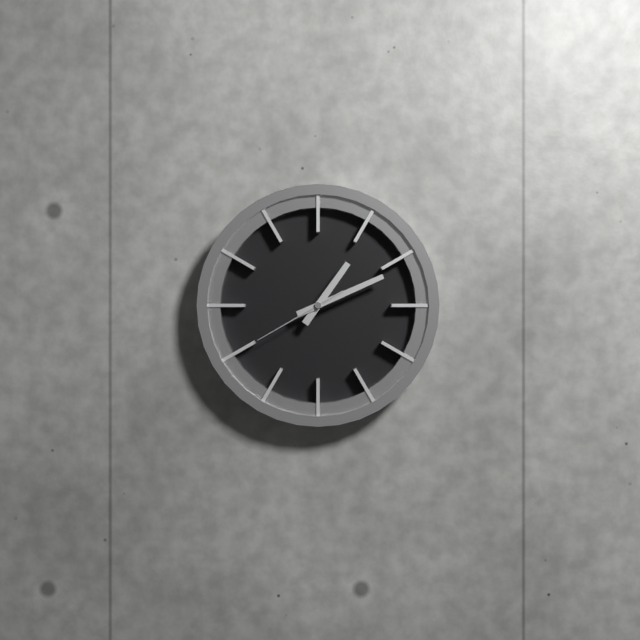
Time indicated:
{"hour": 1, "minute": 11, "second": 40}
